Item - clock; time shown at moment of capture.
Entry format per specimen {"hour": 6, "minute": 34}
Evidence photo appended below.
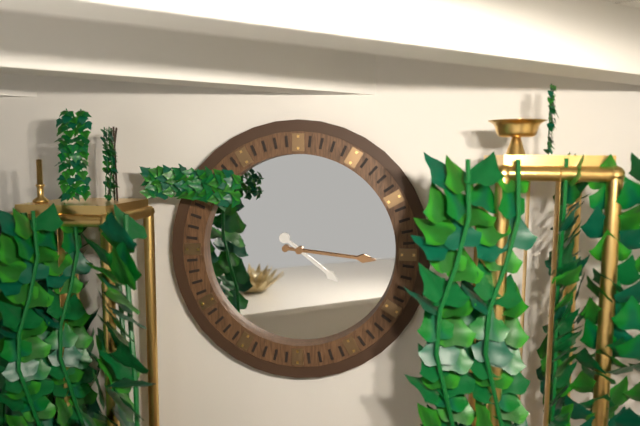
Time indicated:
{"hour": 4, "minute": 16}
